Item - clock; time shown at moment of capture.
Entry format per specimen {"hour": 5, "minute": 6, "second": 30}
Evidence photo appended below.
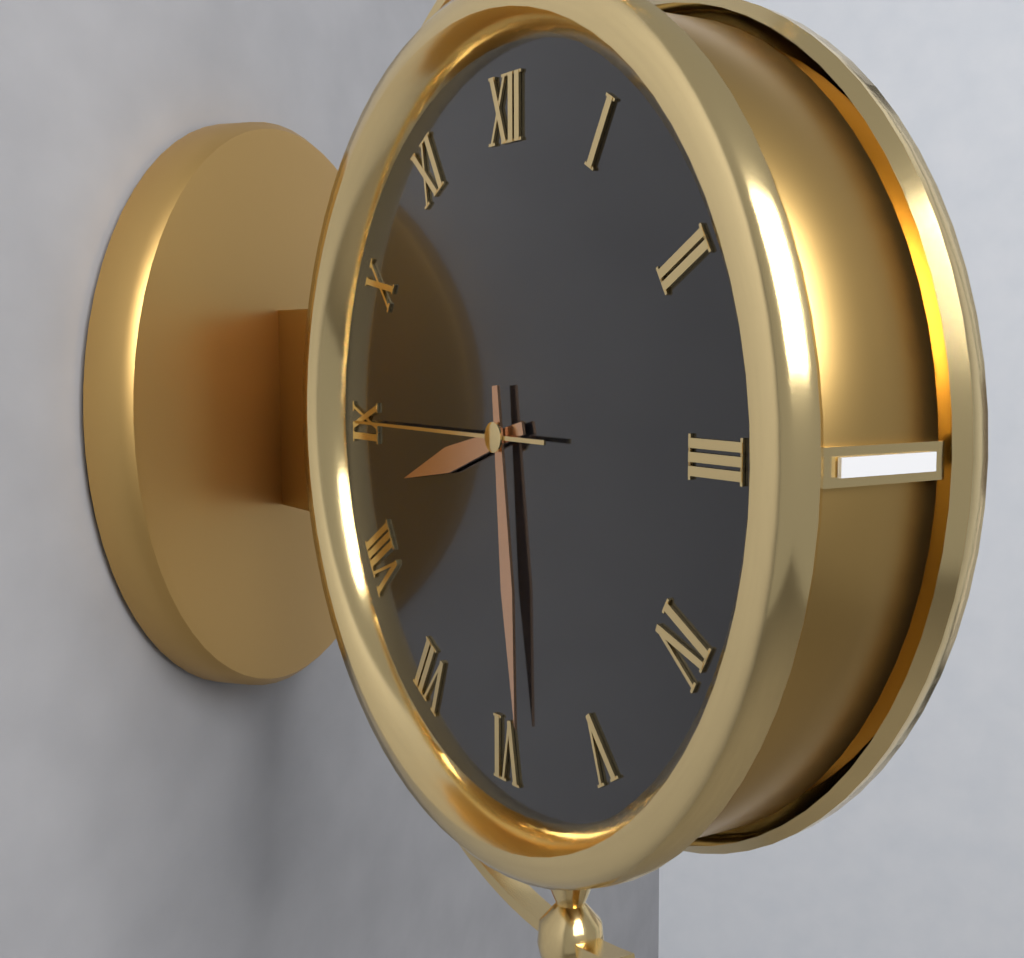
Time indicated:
{"hour": 8, "minute": 29, "second": 45}
